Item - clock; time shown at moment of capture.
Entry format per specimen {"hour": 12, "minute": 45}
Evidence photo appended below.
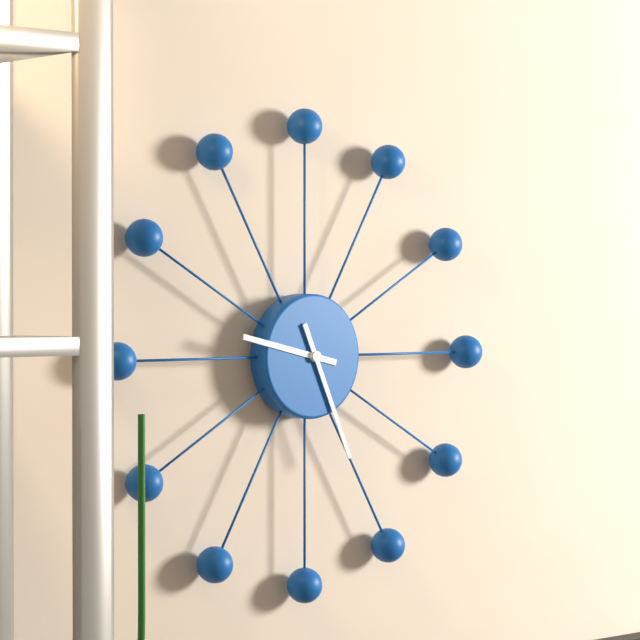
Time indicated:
{"hour": 9, "minute": 26}
